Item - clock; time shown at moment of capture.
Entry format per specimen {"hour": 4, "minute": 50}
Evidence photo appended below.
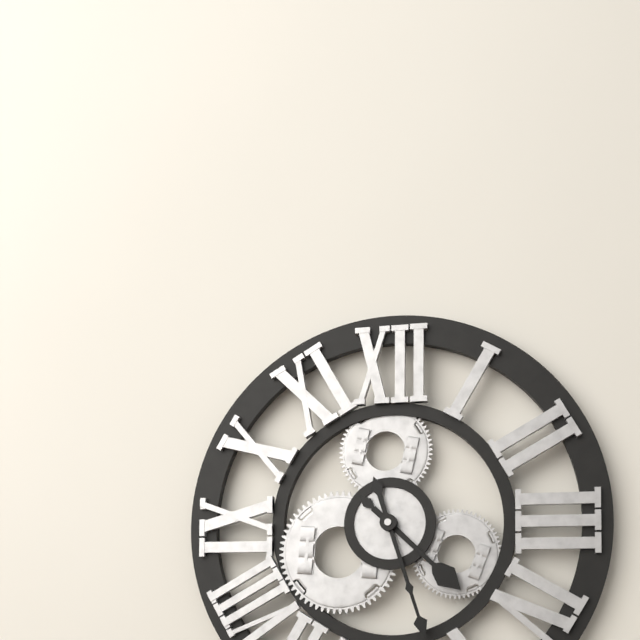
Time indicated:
{"hour": 4, "minute": 27}
